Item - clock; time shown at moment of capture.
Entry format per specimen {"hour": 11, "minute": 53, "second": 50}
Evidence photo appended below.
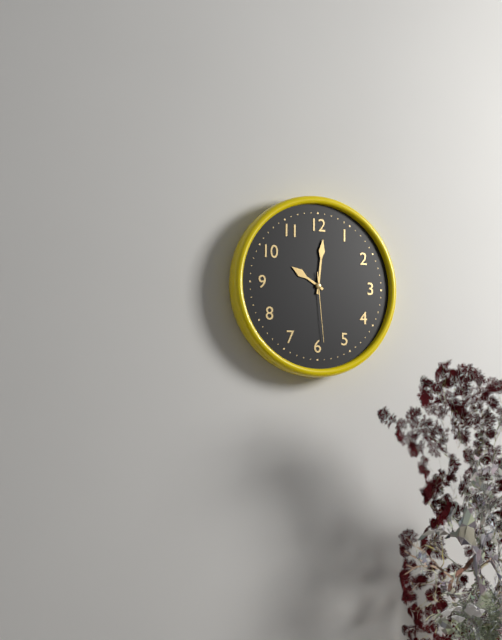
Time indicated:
{"hour": 10, "minute": 1, "second": 29}
